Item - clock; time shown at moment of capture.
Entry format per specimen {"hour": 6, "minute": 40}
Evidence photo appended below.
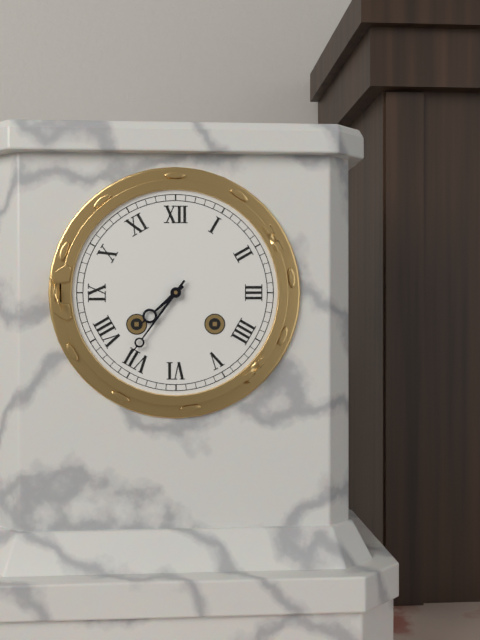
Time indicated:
{"hour": 7, "minute": 36}
